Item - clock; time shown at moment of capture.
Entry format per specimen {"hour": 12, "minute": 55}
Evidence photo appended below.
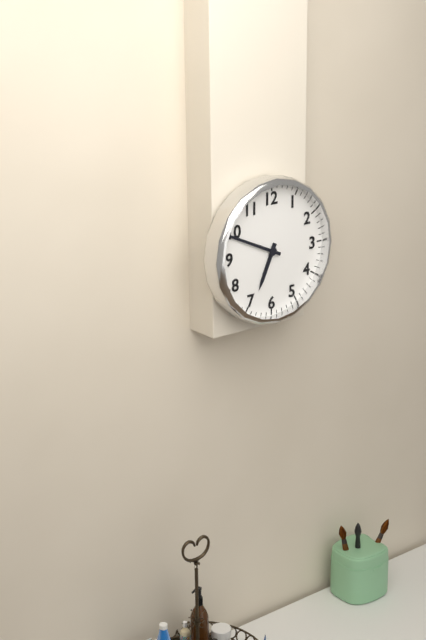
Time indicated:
{"hour": 6, "minute": 49}
